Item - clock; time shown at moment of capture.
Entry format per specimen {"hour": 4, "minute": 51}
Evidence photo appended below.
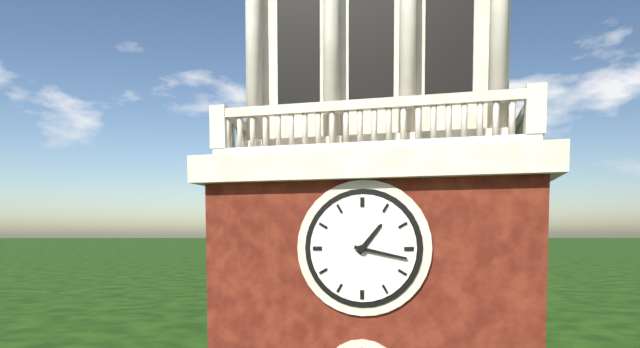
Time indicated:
{"hour": 1, "minute": 17}
